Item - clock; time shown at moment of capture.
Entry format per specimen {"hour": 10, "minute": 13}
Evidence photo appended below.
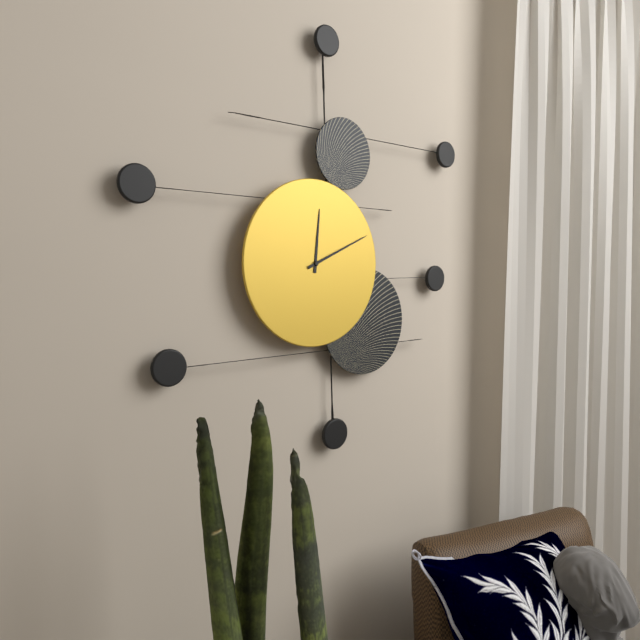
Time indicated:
{"hour": 12, "minute": 11}
